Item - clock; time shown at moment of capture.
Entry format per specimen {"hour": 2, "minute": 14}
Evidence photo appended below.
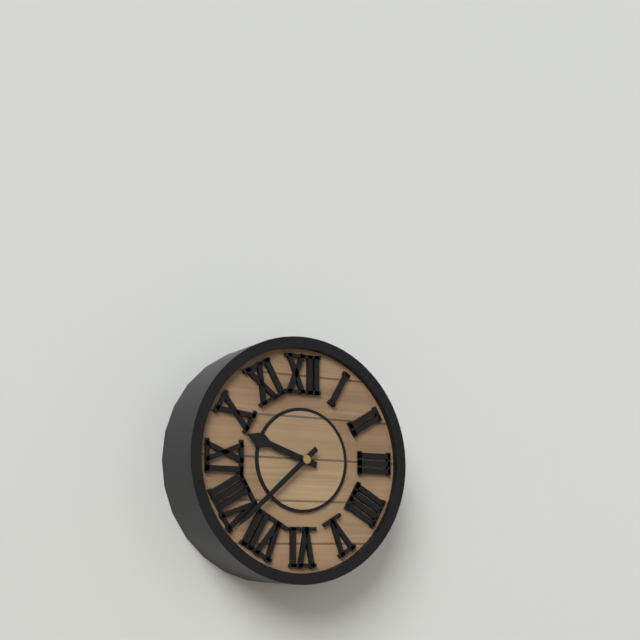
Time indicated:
{"hour": 9, "minute": 38}
